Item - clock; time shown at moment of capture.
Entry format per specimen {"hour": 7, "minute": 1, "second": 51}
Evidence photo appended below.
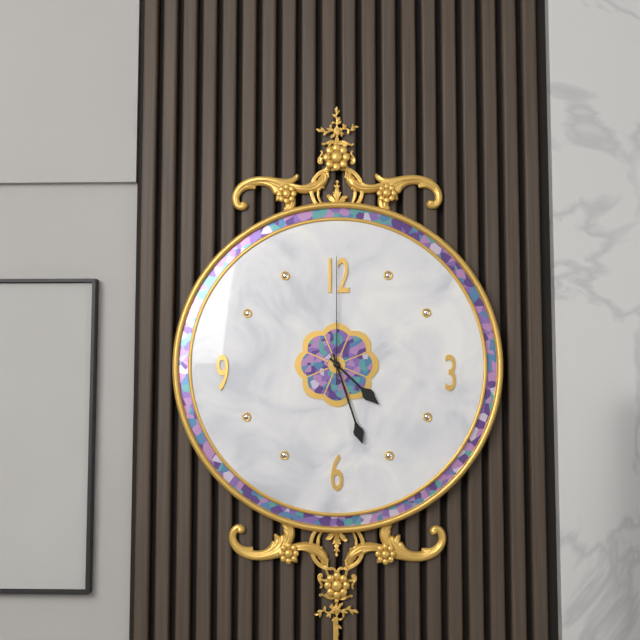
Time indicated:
{"hour": 4, "minute": 27, "second": 0}
